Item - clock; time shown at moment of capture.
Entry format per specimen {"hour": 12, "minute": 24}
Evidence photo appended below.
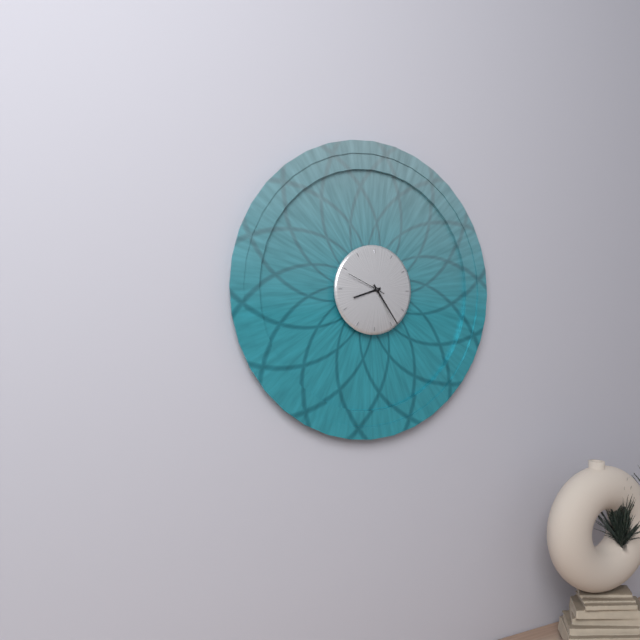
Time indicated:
{"hour": 8, "minute": 24}
